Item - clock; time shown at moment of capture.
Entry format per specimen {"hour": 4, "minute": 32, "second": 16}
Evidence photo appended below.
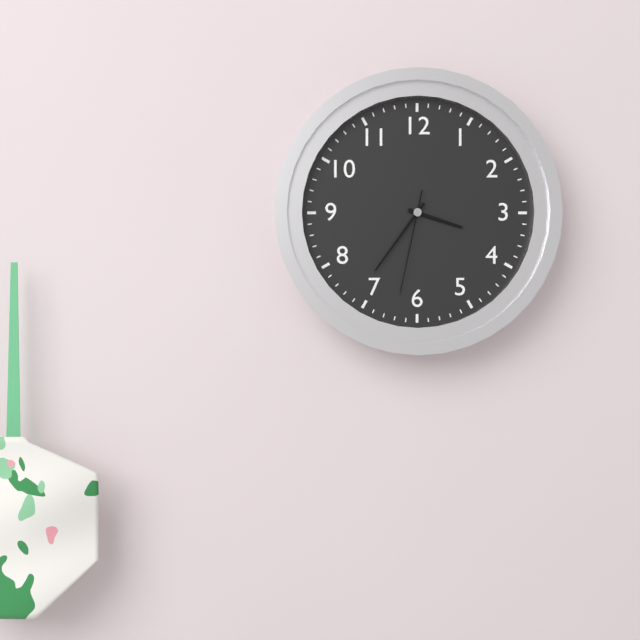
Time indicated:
{"hour": 3, "minute": 36, "second": 32}
